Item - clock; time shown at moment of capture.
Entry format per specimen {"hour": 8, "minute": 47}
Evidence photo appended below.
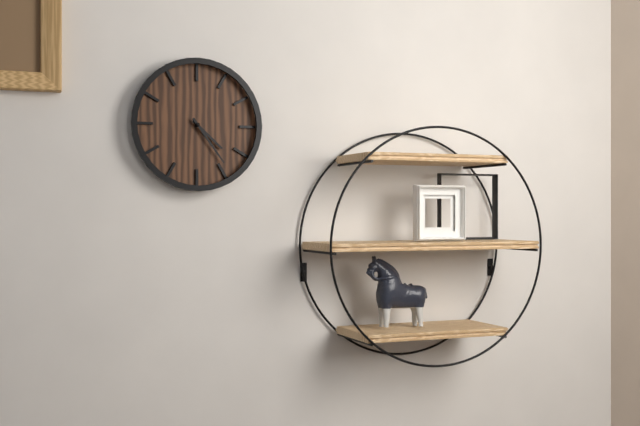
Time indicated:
{"hour": 4, "minute": 24}
